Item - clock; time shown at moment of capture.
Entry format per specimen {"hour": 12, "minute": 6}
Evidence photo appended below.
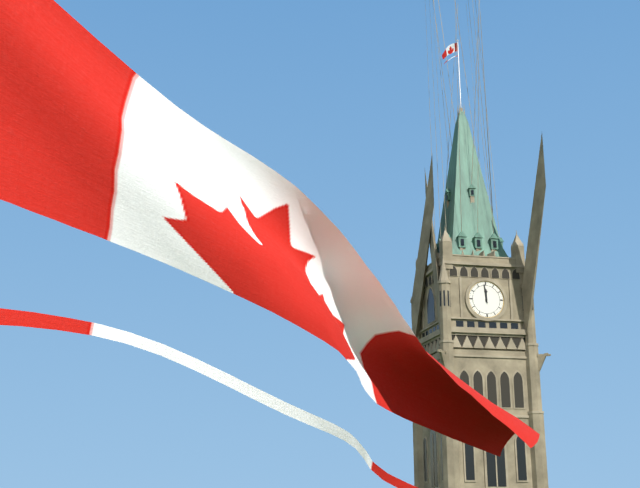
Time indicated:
{"hour": 11, "minute": 59}
